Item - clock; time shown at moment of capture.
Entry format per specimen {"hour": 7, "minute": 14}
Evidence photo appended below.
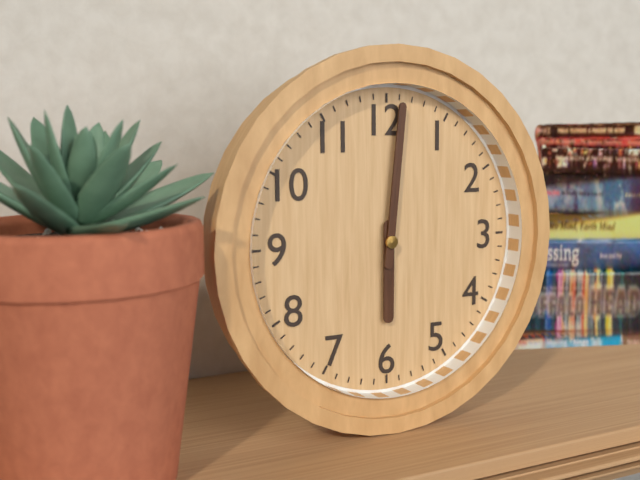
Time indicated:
{"hour": 6, "minute": 1}
